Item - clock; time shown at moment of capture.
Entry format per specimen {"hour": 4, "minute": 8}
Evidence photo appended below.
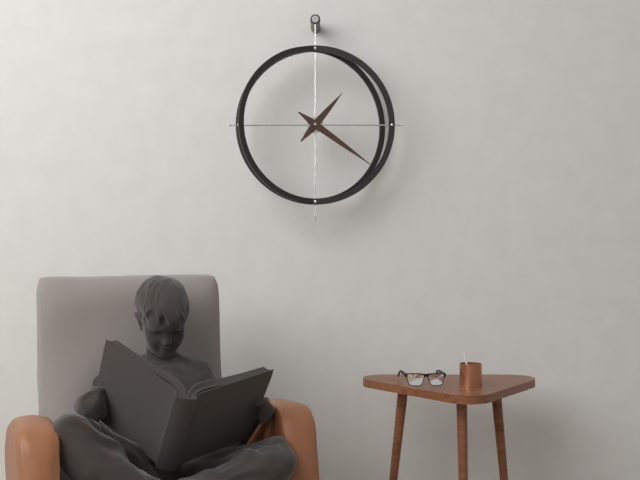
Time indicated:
{"hour": 1, "minute": 21}
